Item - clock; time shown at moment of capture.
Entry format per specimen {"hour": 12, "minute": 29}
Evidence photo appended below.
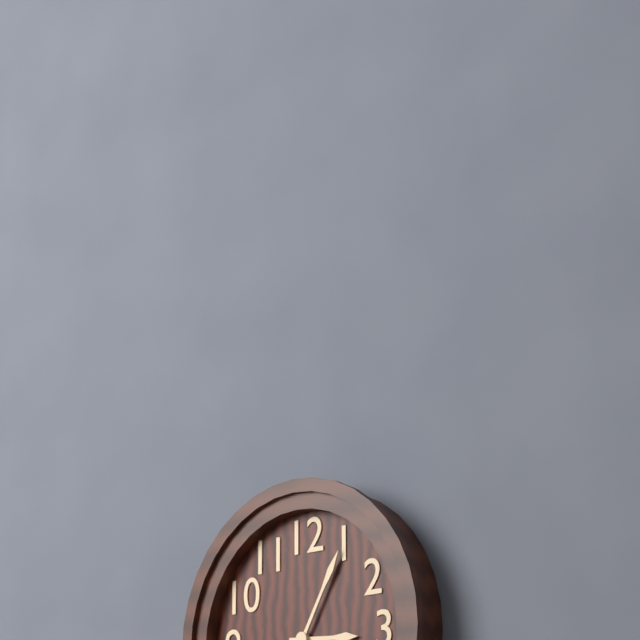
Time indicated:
{"hour": 3, "minute": 5}
